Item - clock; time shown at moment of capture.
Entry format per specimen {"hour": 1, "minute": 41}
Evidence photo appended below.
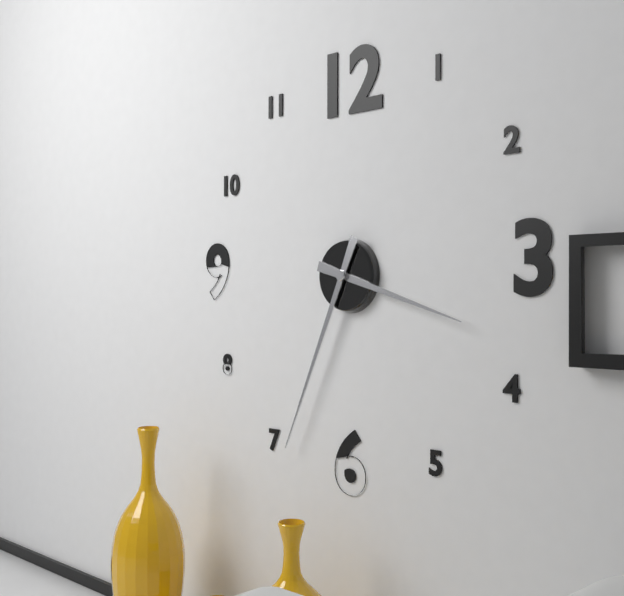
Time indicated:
{"hour": 3, "minute": 34}
